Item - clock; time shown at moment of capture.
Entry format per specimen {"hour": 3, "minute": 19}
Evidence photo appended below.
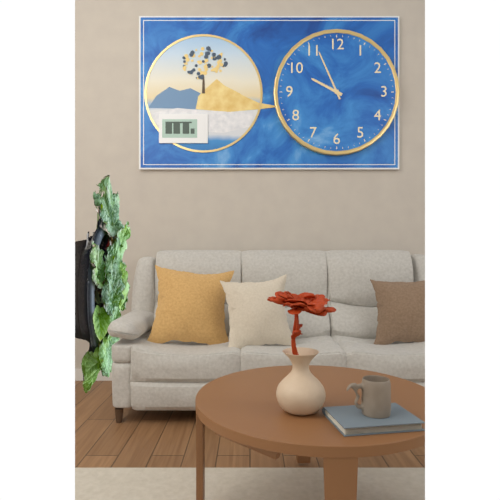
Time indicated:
{"hour": 9, "minute": 56}
